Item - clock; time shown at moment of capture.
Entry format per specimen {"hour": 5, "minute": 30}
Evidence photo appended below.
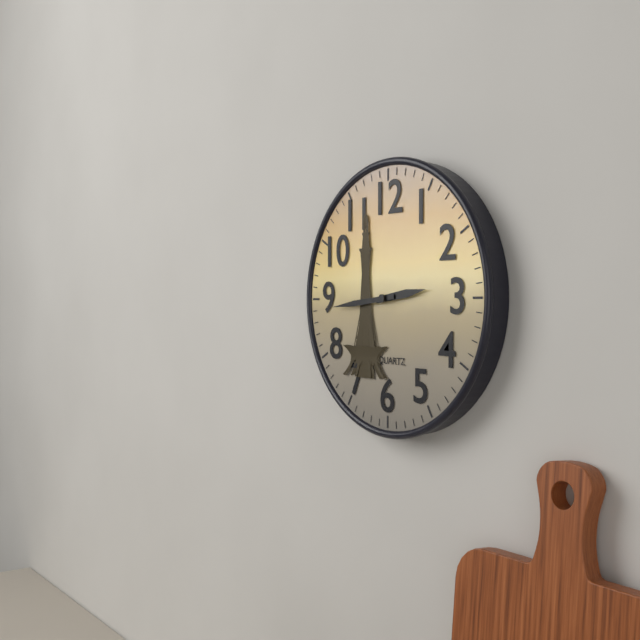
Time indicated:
{"hour": 2, "minute": 44}
